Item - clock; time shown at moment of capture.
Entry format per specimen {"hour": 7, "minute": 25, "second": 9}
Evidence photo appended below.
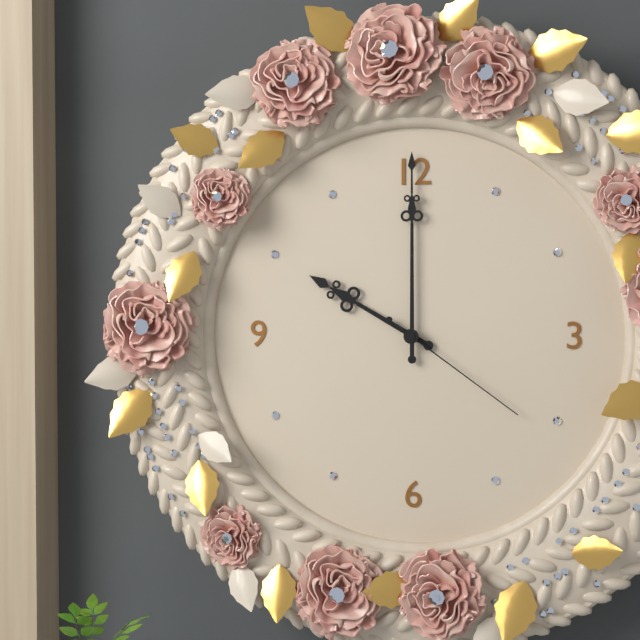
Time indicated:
{"hour": 10, "minute": 0, "second": 21}
